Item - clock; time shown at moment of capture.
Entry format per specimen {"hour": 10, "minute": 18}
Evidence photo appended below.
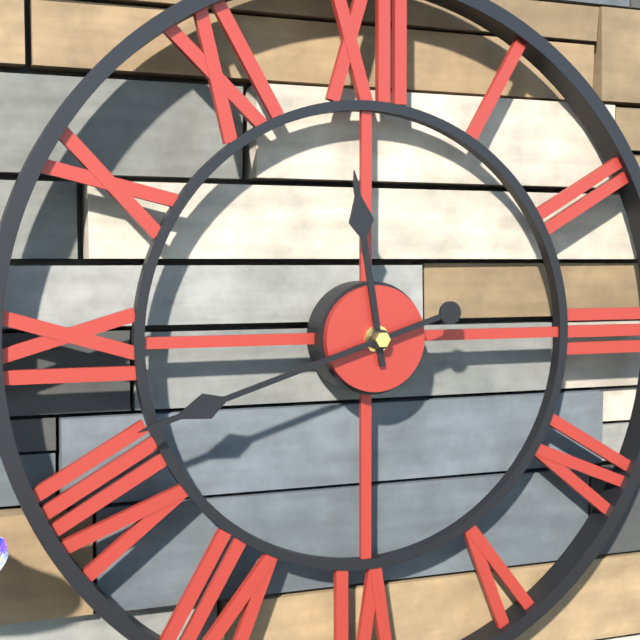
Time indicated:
{"hour": 11, "minute": 42}
